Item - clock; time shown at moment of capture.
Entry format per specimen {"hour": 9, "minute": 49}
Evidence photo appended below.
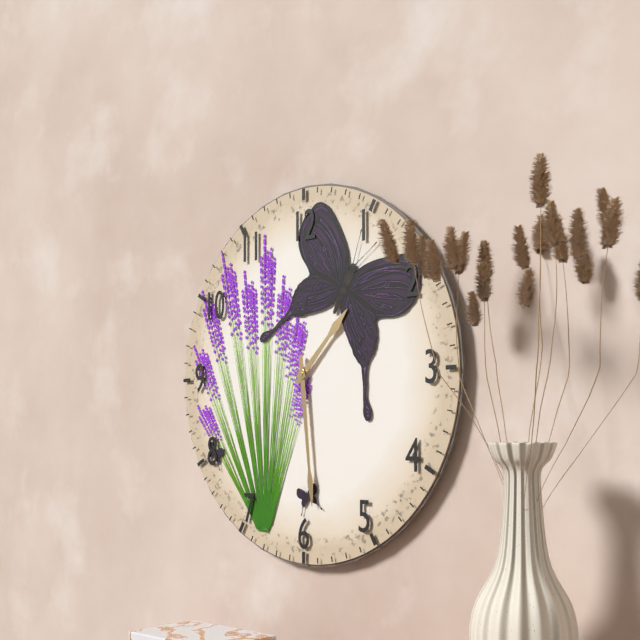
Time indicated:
{"hour": 1, "minute": 29}
